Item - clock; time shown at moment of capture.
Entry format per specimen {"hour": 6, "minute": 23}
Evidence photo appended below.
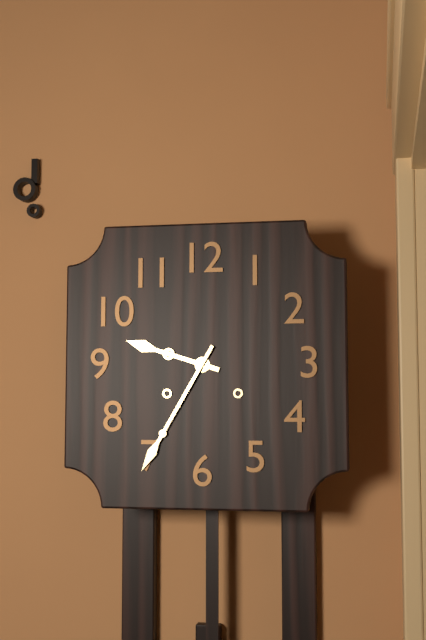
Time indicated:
{"hour": 9, "minute": 35}
